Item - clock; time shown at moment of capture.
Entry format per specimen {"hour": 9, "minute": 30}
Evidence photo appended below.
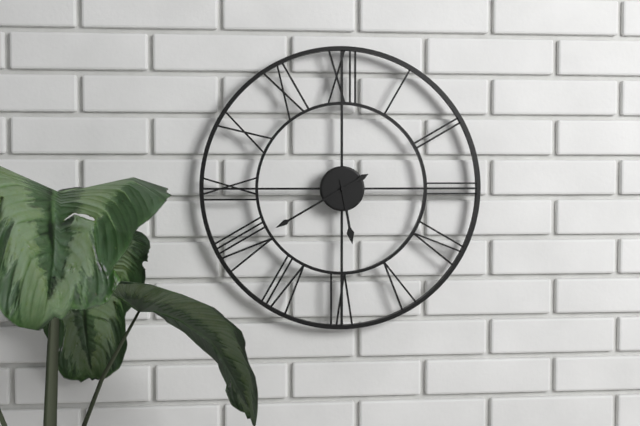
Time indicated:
{"hour": 5, "minute": 40}
